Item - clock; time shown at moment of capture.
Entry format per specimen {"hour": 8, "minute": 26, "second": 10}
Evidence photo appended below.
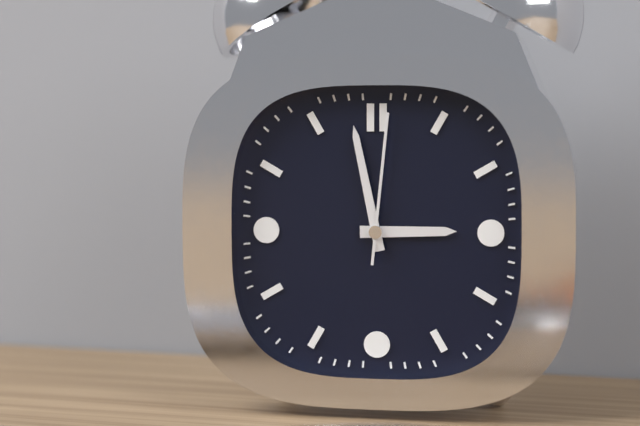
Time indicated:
{"hour": 2, "minute": 58, "second": 1}
